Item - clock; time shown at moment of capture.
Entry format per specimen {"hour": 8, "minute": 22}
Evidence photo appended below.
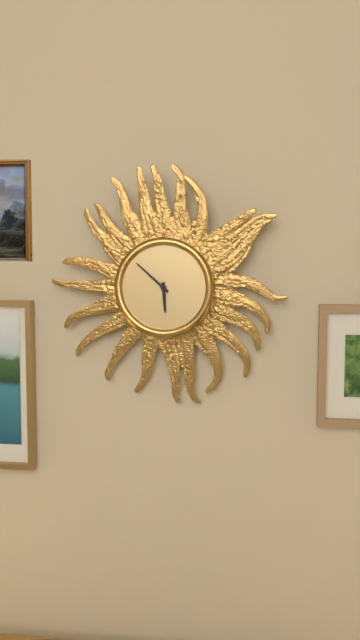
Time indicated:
{"hour": 5, "minute": 52}
